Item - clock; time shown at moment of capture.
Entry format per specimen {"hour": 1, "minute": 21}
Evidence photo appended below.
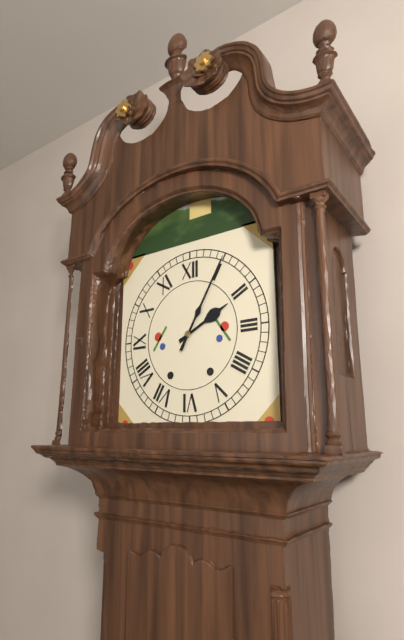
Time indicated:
{"hour": 2, "minute": 5}
